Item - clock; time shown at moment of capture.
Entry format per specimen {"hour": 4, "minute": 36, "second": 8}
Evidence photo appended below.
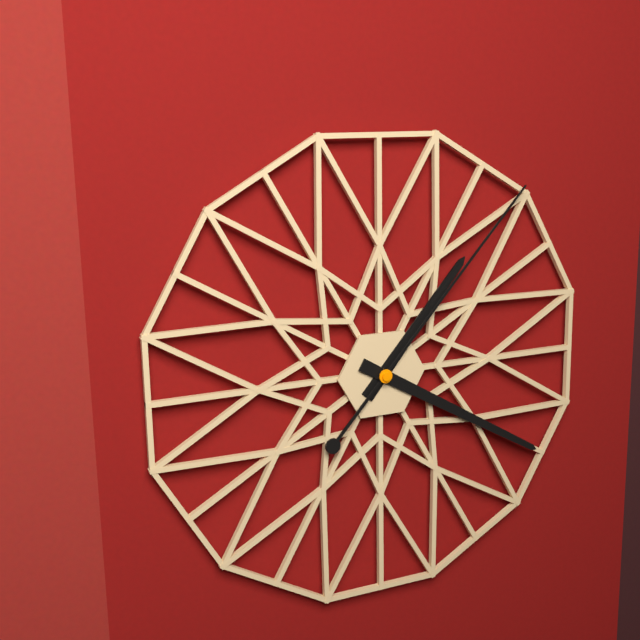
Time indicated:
{"hour": 1, "minute": 20, "second": 7}
